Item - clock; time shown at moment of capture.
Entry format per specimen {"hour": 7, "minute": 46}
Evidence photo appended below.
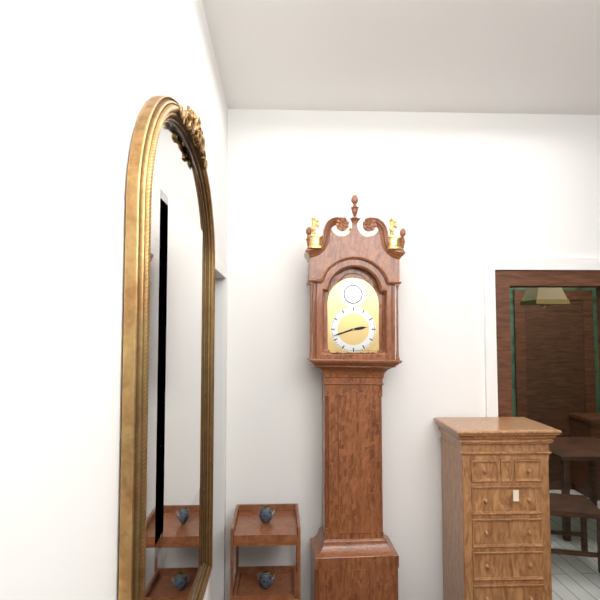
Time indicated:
{"hour": 2, "minute": 42}
